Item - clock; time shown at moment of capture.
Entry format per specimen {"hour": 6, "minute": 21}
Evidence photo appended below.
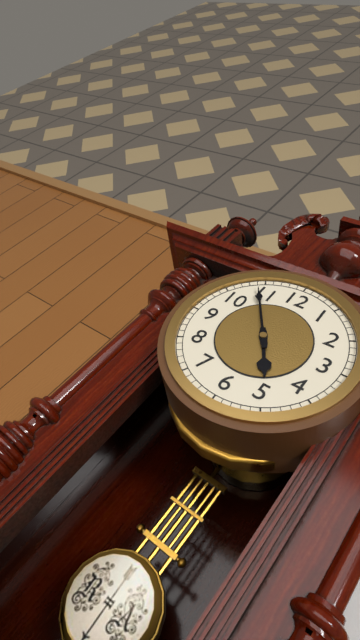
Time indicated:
{"hour": 4, "minute": 54}
